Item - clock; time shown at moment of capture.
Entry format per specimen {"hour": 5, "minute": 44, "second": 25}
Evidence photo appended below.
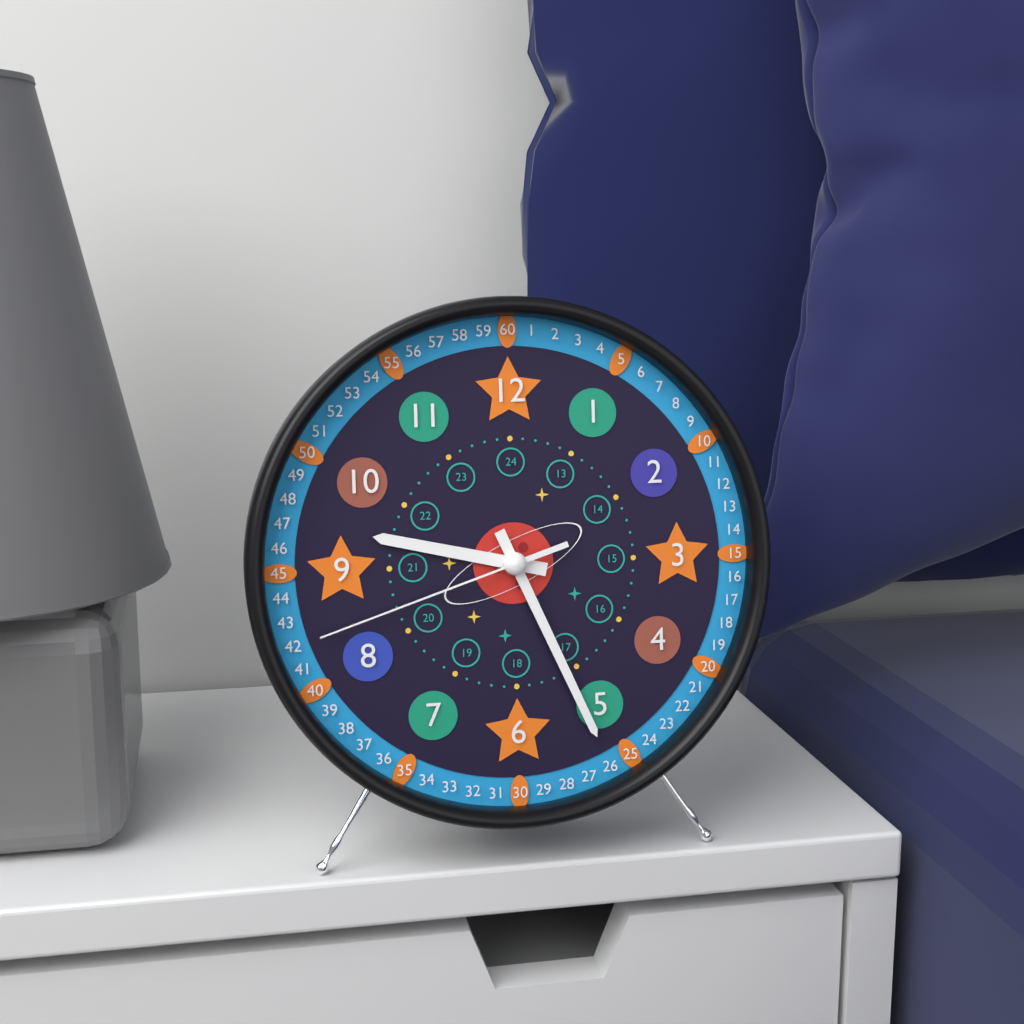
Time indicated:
{"hour": 9, "minute": 26, "second": 42}
